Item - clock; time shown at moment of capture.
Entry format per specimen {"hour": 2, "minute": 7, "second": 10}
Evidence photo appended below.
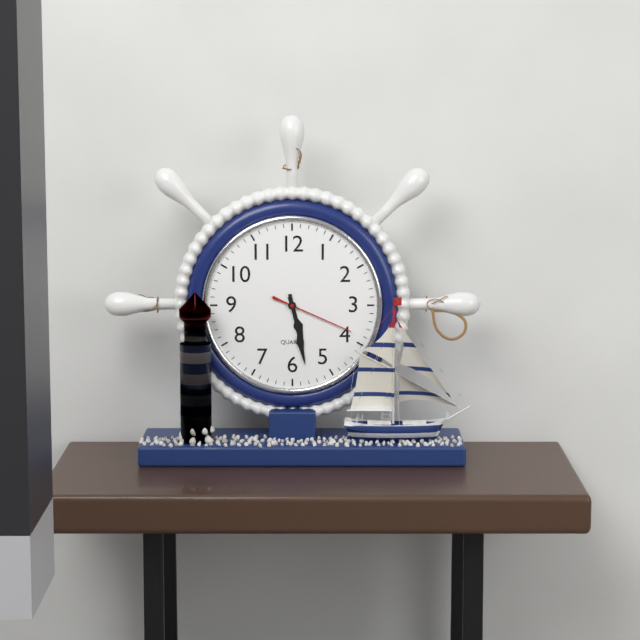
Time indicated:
{"hour": 5, "minute": 28, "second": 19}
